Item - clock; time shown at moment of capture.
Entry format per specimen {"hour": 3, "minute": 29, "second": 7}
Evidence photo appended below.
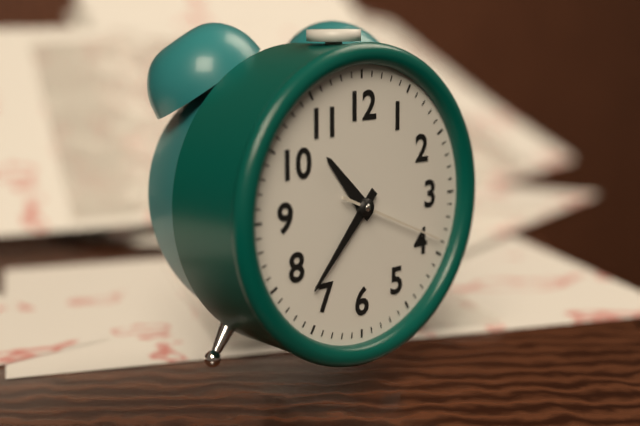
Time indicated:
{"hour": 10, "minute": 37, "second": 19}
